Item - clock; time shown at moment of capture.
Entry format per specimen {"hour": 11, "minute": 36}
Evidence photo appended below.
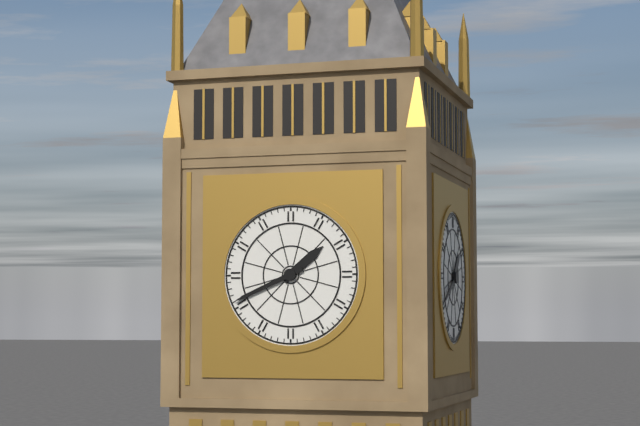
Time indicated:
{"hour": 1, "minute": 41}
